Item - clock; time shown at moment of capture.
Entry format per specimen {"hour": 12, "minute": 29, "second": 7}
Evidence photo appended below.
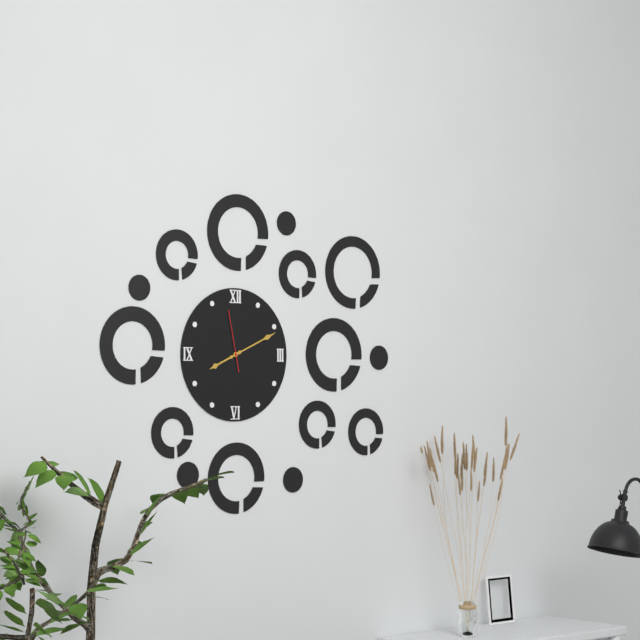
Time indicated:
{"hour": 8, "minute": 11, "second": 58}
